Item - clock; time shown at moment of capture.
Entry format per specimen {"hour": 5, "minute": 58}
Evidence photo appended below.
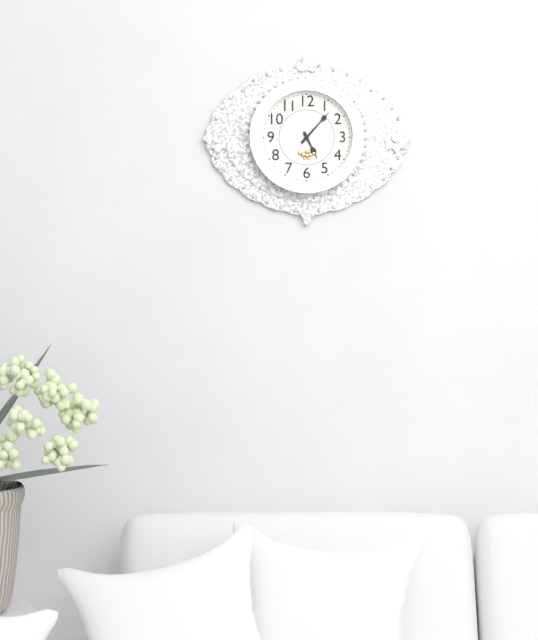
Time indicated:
{"hour": 5, "minute": 7}
